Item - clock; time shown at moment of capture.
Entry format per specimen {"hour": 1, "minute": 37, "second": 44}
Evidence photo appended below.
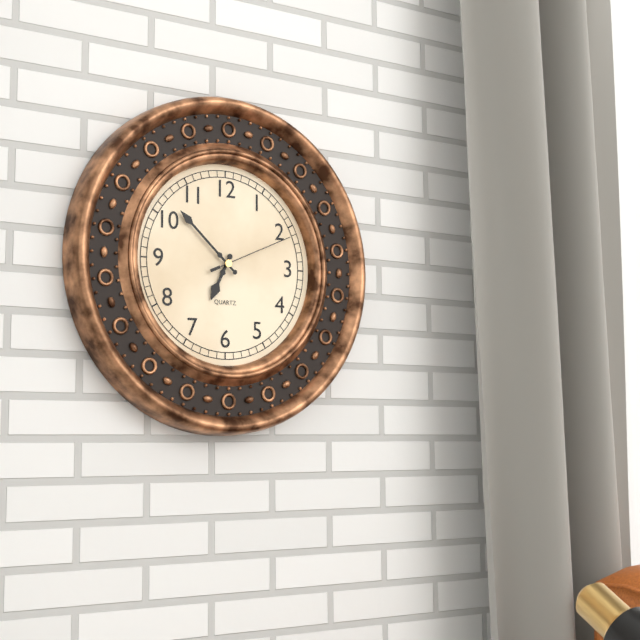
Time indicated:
{"hour": 6, "minute": 52, "second": 11}
